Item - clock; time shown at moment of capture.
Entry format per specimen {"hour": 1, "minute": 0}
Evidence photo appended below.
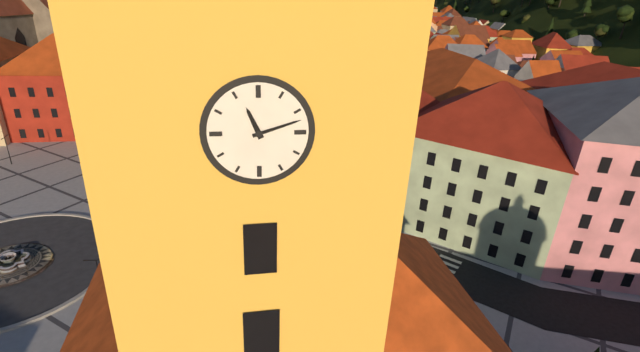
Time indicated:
{"hour": 11, "minute": 12}
